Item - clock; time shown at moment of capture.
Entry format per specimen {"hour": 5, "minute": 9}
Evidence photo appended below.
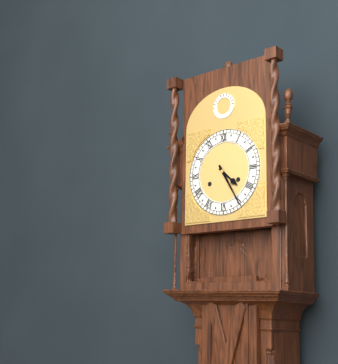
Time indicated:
{"hour": 4, "minute": 25}
